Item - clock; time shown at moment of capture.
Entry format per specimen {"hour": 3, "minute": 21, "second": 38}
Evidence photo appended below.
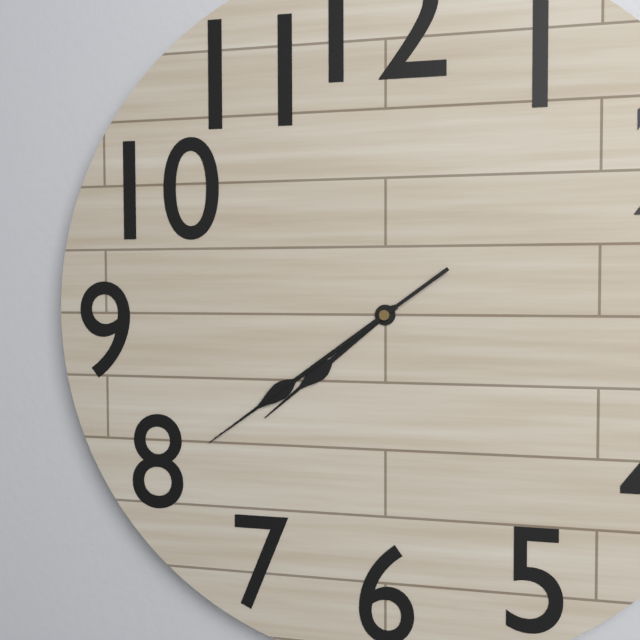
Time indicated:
{"hour": 7, "minute": 39, "second": 39}
